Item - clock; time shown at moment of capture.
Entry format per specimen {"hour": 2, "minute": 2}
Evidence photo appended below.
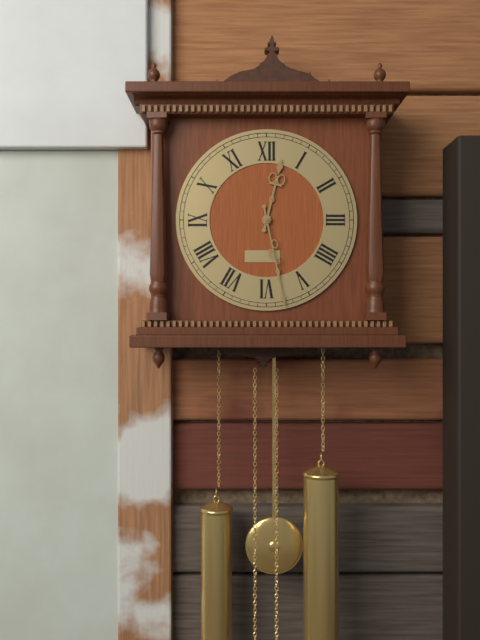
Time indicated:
{"hour": 12, "minute": 28}
